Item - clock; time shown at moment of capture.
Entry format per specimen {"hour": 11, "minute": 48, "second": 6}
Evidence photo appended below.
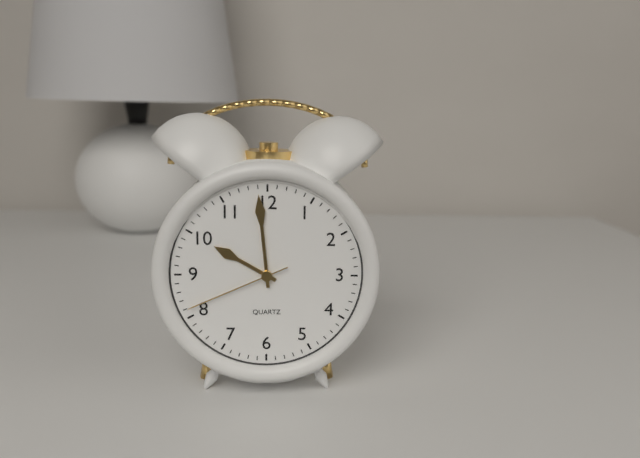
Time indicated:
{"hour": 9, "minute": 59, "second": 41}
